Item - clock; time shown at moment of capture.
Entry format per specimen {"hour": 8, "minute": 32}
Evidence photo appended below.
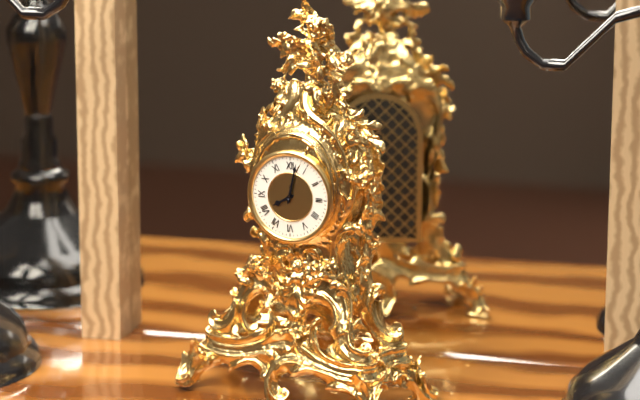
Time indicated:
{"hour": 8, "minute": 2}
